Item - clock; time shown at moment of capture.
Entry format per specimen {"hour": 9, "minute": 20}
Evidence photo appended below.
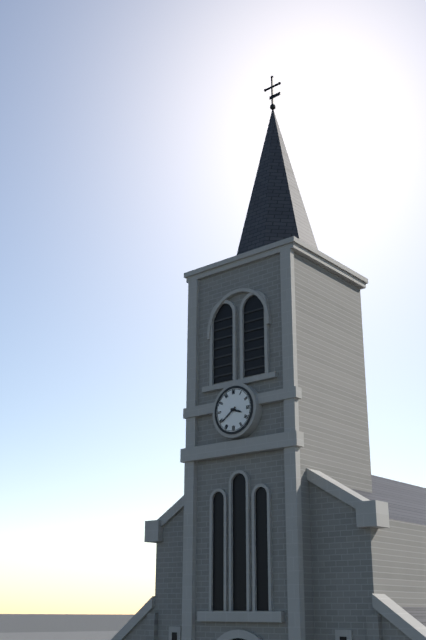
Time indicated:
{"hour": 3, "minute": 39}
